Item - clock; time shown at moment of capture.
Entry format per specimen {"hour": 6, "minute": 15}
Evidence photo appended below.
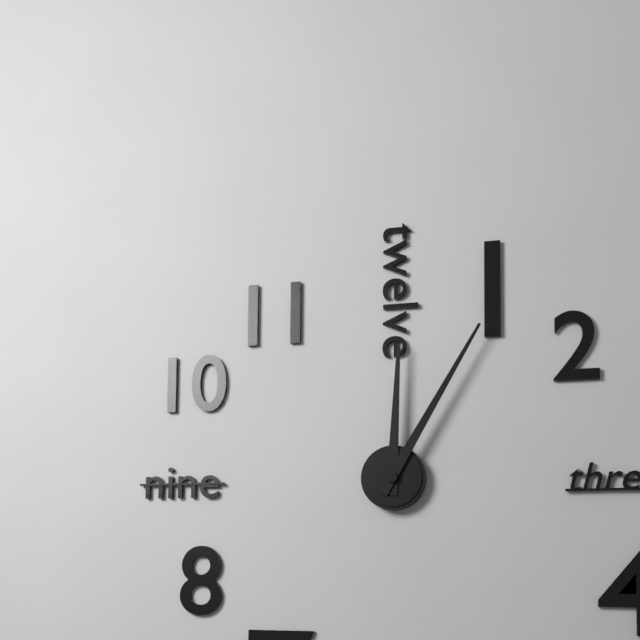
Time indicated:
{"hour": 12, "minute": 5}
